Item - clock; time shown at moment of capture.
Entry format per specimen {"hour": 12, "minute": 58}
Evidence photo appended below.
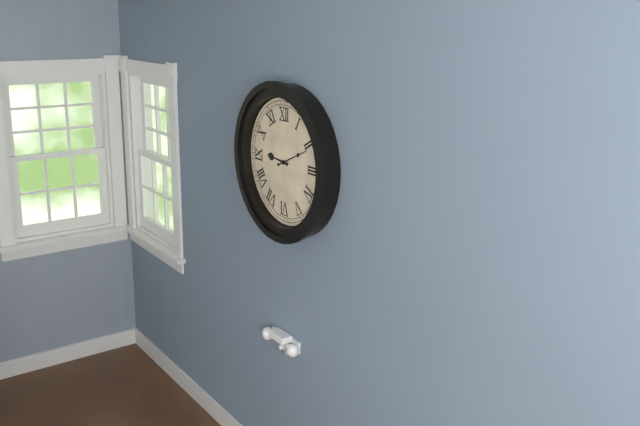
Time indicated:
{"hour": 9, "minute": 11}
